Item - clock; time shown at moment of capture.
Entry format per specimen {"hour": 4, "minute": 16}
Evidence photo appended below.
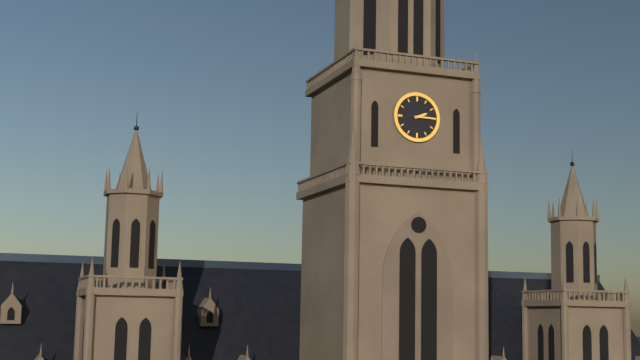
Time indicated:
{"hour": 2, "minute": 15}
